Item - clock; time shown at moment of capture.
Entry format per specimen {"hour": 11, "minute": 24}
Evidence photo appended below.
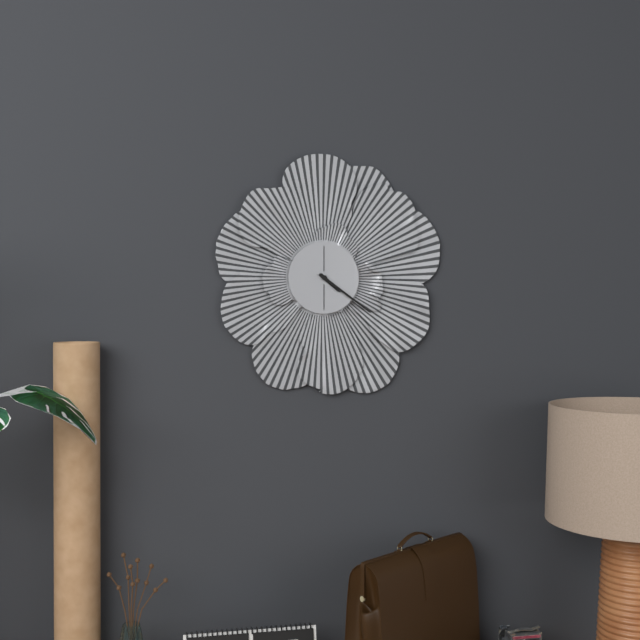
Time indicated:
{"hour": 4, "minute": 21}
